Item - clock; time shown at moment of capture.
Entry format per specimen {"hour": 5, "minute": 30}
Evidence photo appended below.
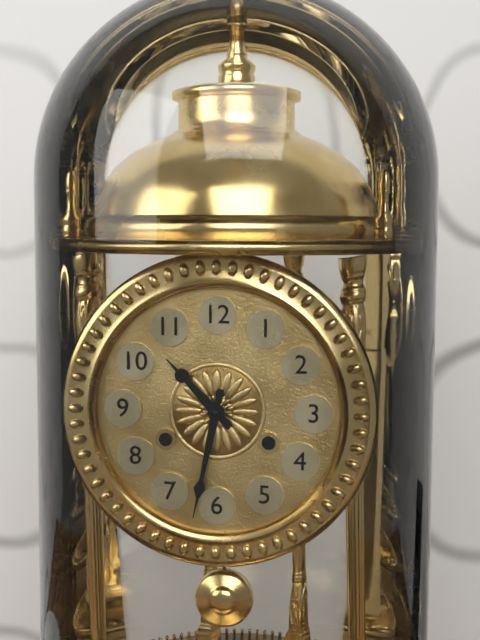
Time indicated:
{"hour": 10, "minute": 32}
